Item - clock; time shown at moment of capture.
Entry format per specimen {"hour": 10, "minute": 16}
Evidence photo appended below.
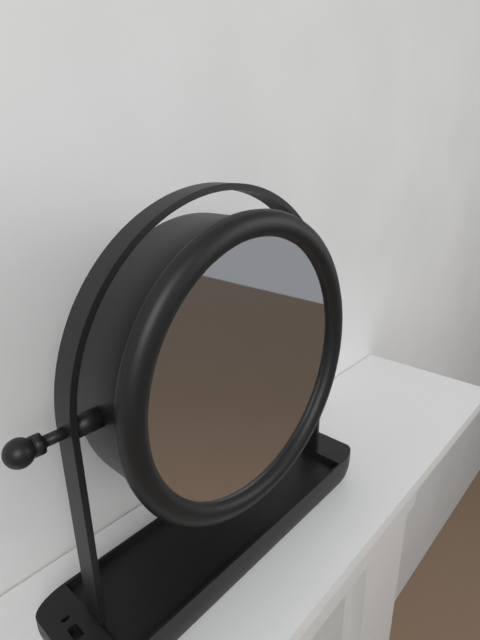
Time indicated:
{"hour": 11, "minute": 7}
